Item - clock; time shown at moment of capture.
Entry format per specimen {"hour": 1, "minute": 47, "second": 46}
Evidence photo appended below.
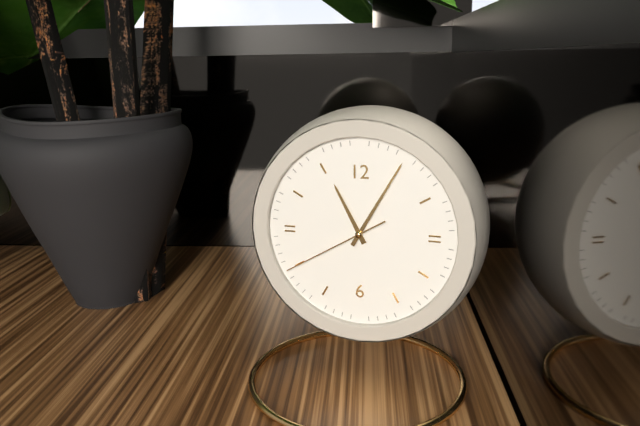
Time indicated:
{"hour": 11, "minute": 5, "second": 40}
